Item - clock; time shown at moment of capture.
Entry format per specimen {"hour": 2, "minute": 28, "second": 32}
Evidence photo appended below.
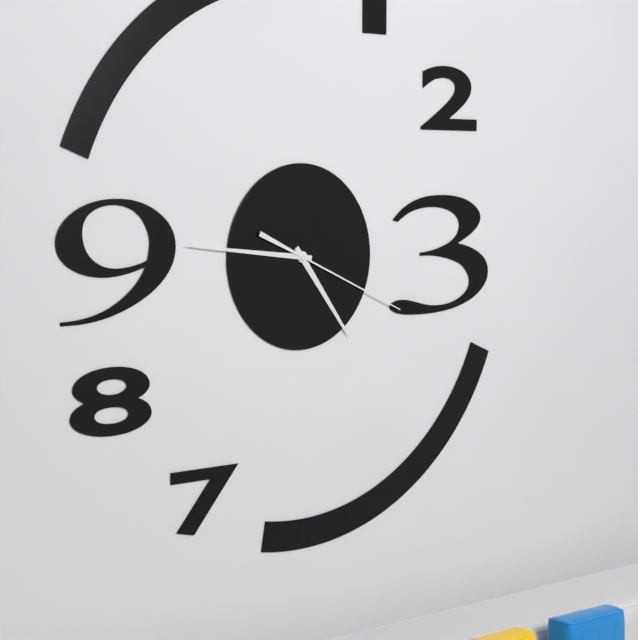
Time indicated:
{"hour": 4, "minute": 46, "second": 19}
